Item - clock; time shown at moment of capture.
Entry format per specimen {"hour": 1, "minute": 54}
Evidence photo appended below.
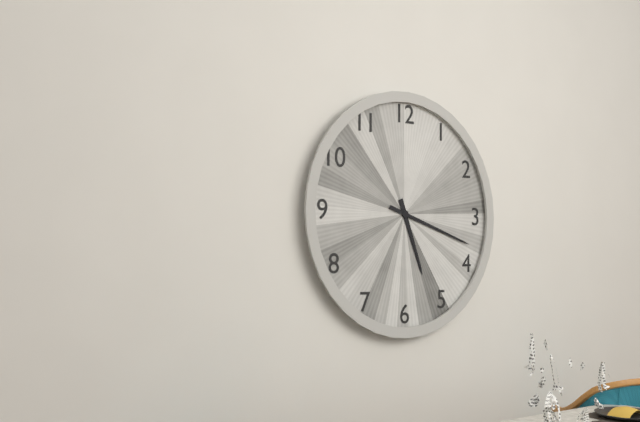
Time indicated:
{"hour": 5, "minute": 18}
